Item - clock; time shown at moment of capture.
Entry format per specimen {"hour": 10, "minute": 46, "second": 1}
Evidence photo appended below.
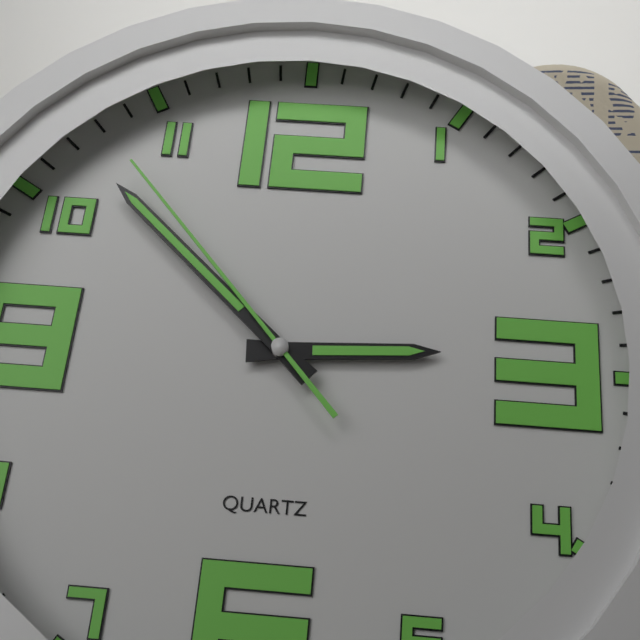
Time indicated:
{"hour": 2, "minute": 52, "second": 53}
